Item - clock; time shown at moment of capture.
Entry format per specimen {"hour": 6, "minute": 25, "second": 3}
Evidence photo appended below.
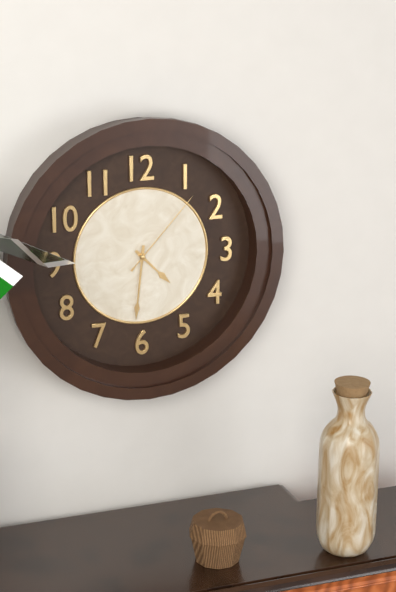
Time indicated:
{"hour": 4, "minute": 31, "second": 7}
